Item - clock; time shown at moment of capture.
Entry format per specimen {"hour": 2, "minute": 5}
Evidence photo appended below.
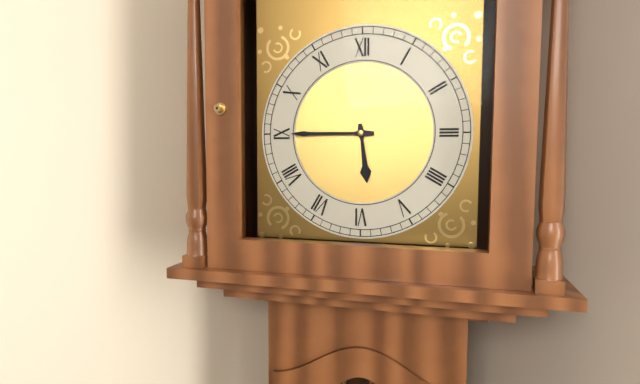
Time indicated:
{"hour": 5, "minute": 45}
